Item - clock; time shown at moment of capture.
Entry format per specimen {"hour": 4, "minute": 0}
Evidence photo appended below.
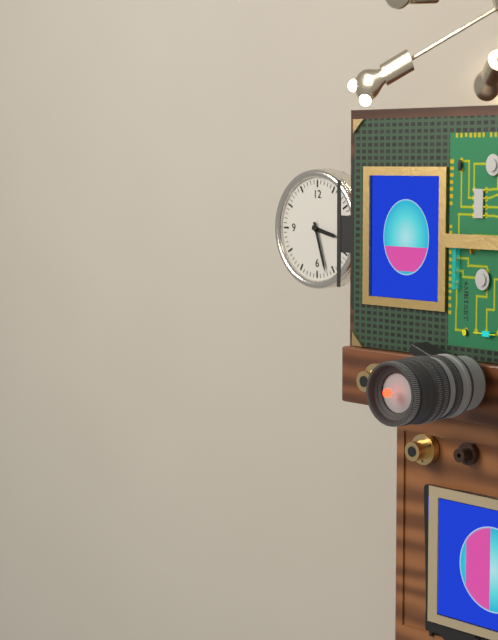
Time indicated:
{"hour": 3, "minute": 27}
